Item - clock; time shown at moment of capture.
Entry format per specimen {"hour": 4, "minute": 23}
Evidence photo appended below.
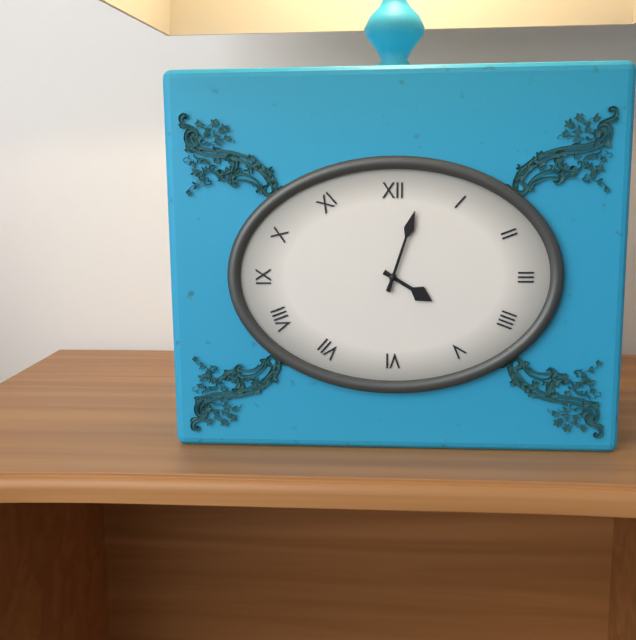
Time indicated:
{"hour": 4, "minute": 3}
